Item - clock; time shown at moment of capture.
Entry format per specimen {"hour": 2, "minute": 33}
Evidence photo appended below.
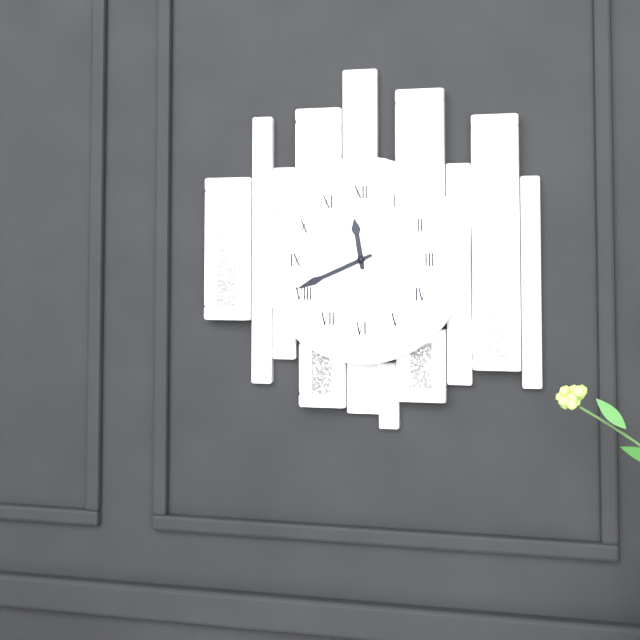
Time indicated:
{"hour": 11, "minute": 41}
